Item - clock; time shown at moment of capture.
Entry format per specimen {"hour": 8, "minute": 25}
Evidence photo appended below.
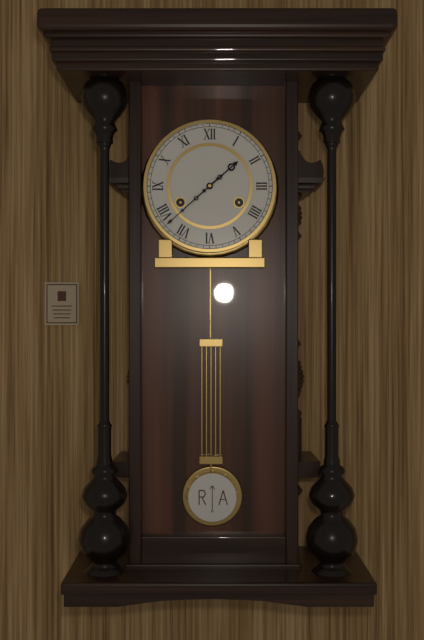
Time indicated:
{"hour": 1, "minute": 38}
